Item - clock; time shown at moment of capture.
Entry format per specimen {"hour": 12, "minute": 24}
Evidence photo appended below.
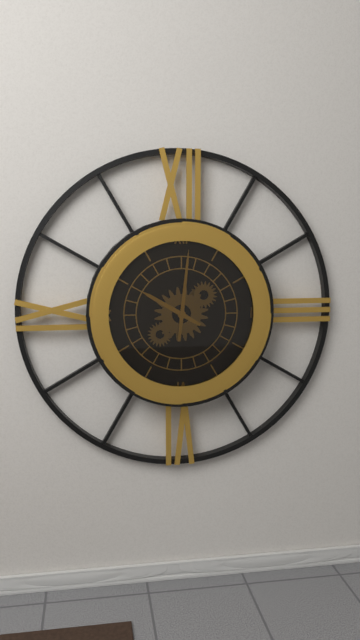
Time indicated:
{"hour": 10, "minute": 1}
